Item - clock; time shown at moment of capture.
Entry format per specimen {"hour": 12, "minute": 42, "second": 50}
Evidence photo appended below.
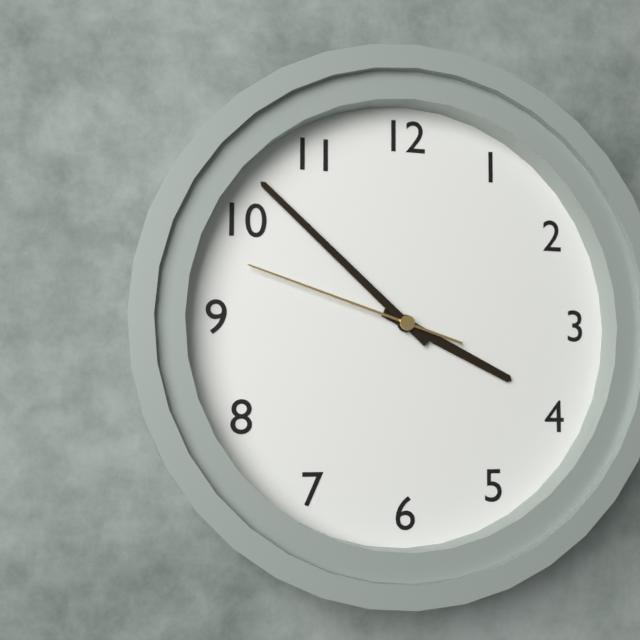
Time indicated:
{"hour": 3, "minute": 52, "second": 48}
